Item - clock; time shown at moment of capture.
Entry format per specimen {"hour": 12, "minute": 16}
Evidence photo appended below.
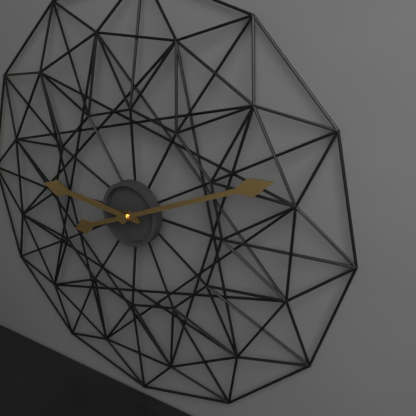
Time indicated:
{"hour": 9, "minute": 11}
